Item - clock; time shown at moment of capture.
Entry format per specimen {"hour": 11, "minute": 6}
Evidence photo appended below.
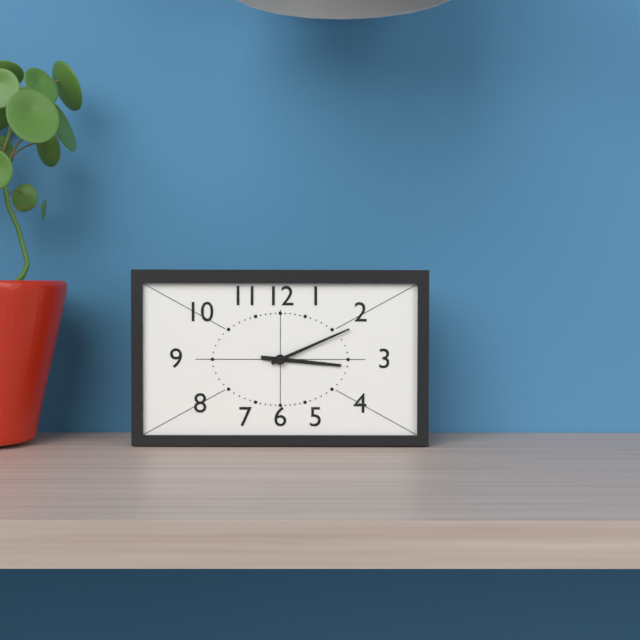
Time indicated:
{"hour": 3, "minute": 11}
